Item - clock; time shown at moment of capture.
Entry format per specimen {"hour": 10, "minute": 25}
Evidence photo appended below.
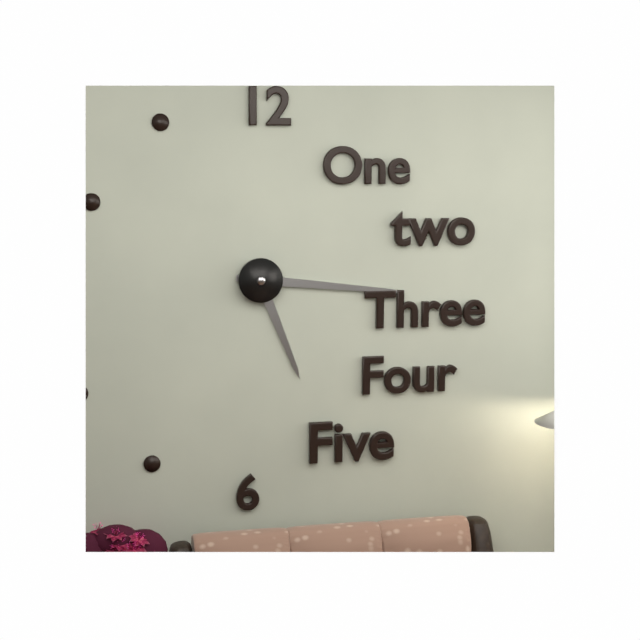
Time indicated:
{"hour": 5, "minute": 16}
